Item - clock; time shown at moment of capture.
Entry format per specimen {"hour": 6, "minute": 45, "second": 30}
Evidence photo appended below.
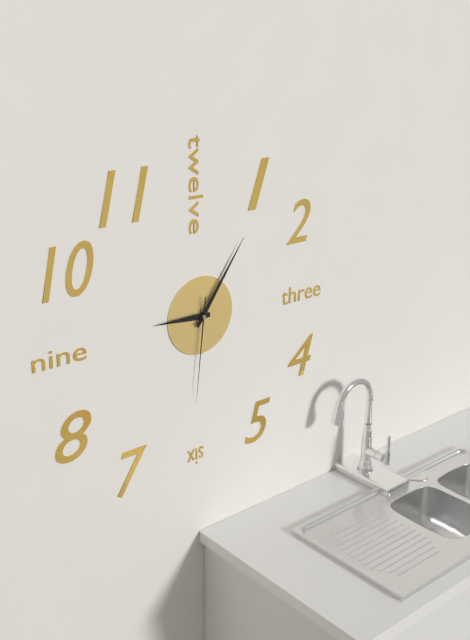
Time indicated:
{"hour": 9, "minute": 6, "second": 31}
